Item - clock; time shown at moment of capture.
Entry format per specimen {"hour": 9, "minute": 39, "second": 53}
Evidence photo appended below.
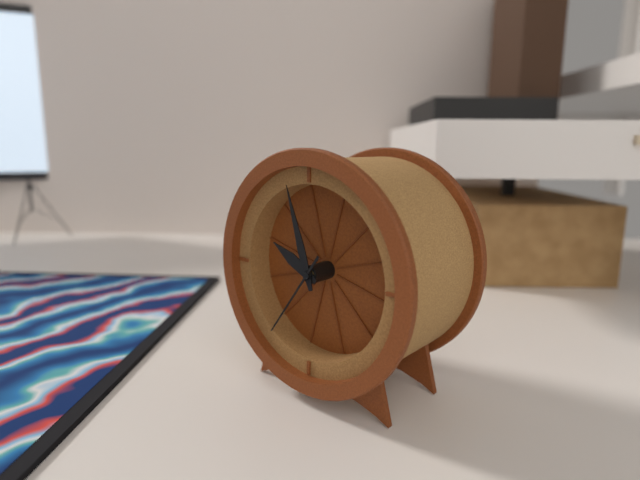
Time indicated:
{"hour": 9, "minute": 57, "second": 36}
